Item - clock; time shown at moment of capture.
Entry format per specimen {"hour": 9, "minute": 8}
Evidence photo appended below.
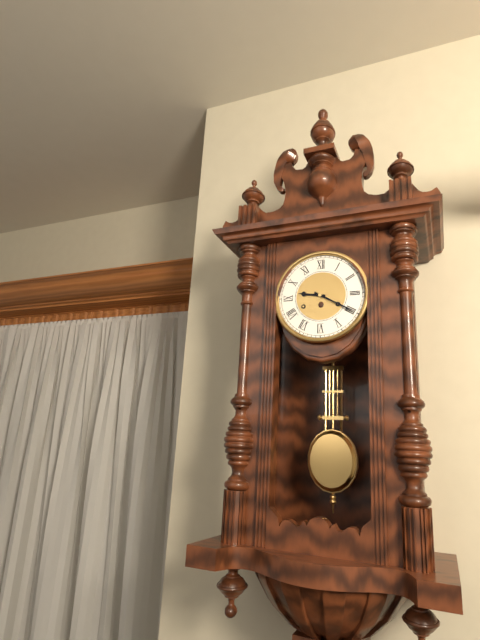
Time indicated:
{"hour": 9, "minute": 20}
